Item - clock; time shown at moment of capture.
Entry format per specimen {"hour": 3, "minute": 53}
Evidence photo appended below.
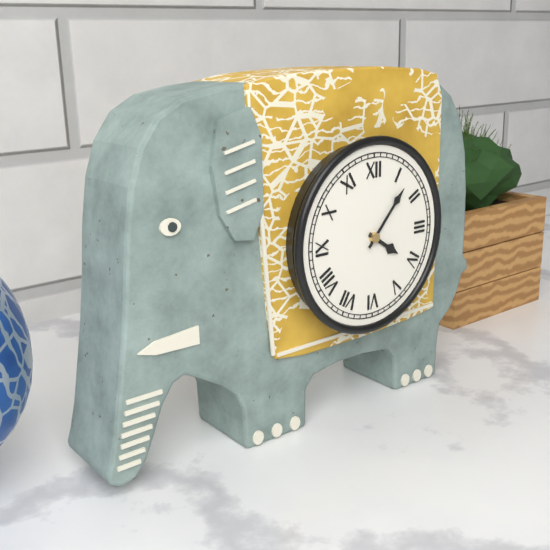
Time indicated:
{"hour": 4, "minute": 7}
